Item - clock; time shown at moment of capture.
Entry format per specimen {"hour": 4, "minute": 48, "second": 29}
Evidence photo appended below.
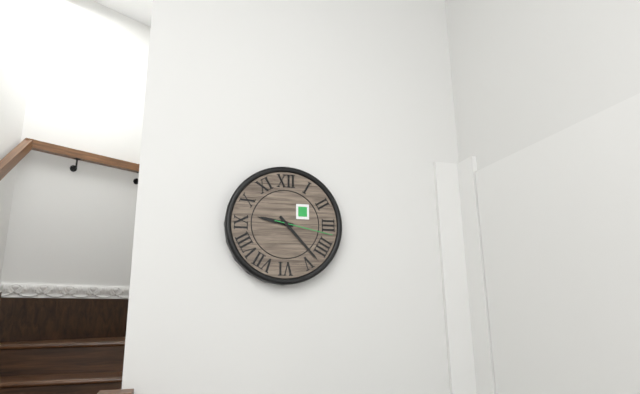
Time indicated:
{"hour": 9, "minute": 23, "second": 17}
